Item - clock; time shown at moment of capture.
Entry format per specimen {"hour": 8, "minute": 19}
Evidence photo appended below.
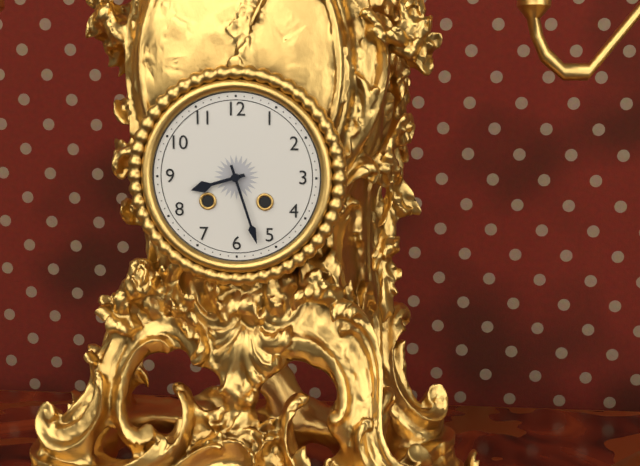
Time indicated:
{"hour": 8, "minute": 27}
